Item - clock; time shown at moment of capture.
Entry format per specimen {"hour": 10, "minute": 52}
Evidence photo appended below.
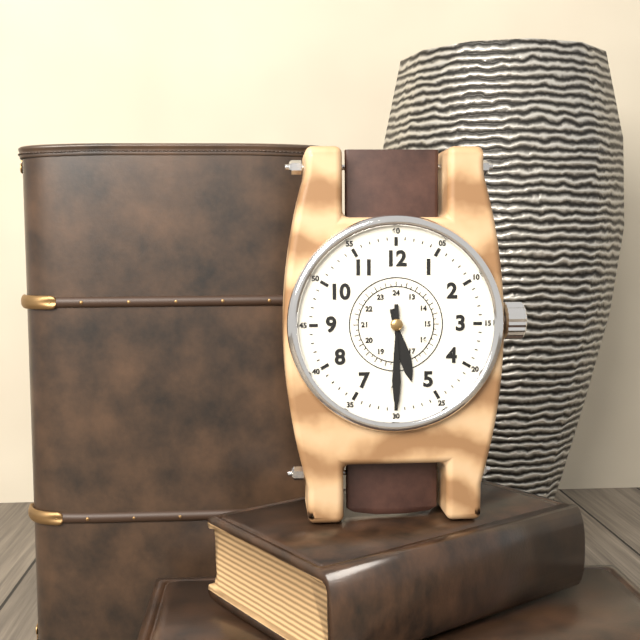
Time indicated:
{"hour": 5, "minute": 30}
